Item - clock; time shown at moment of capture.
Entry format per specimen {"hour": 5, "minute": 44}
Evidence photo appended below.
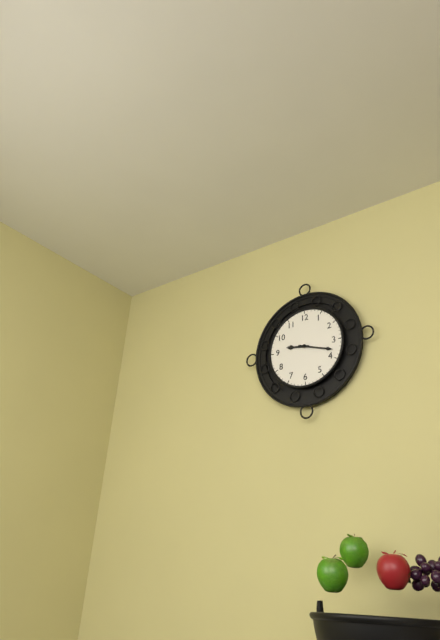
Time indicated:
{"hour": 9, "minute": 18}
